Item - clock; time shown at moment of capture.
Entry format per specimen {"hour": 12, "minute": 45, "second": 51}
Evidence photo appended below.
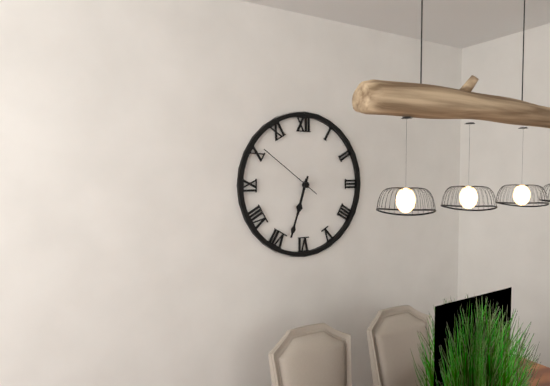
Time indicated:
{"hour": 6, "minute": 33, "second": 51}
